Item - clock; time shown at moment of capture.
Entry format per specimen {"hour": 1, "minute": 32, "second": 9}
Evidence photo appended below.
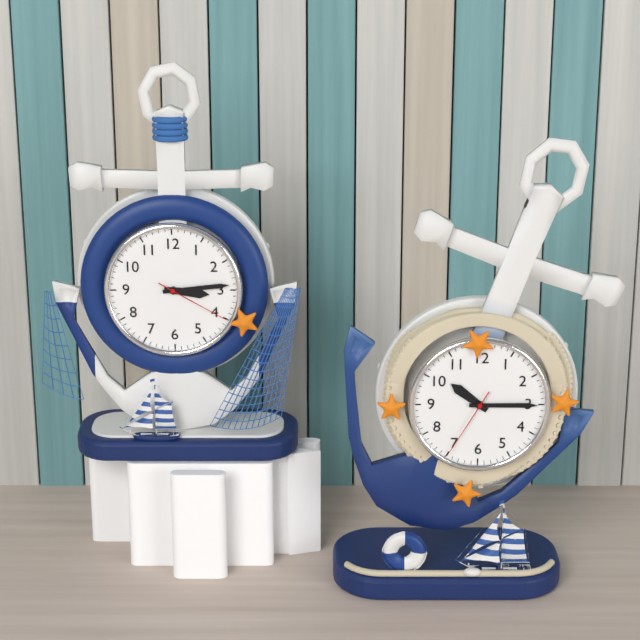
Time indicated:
{"hour": 3, "minute": 14, "second": 20}
